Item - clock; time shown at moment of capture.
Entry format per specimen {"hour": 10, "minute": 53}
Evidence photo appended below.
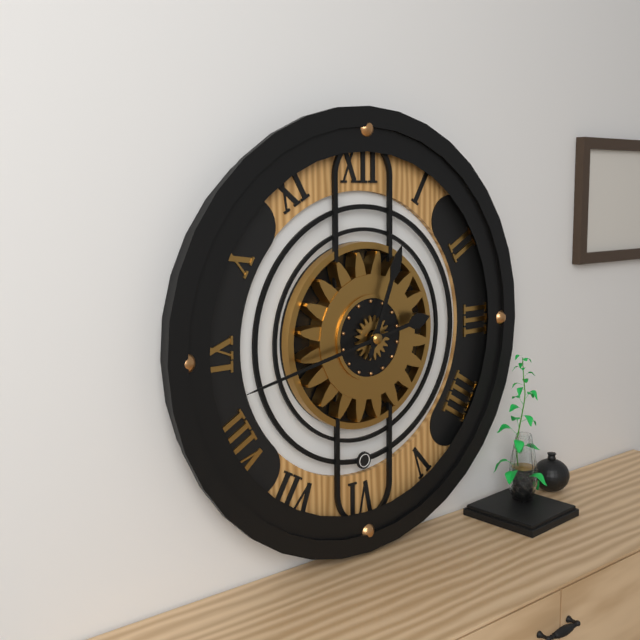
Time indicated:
{"hour": 12, "minute": 43}
